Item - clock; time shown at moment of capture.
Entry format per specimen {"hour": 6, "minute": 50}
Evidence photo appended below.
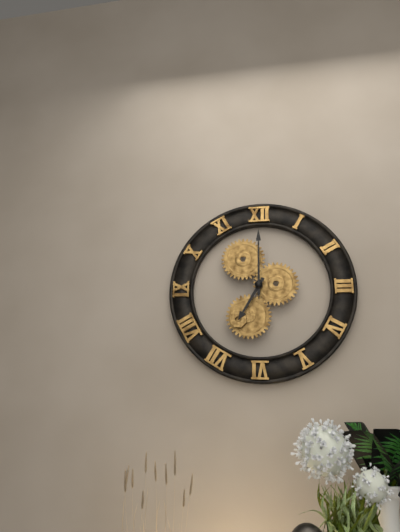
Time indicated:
{"hour": 7, "minute": 0}
